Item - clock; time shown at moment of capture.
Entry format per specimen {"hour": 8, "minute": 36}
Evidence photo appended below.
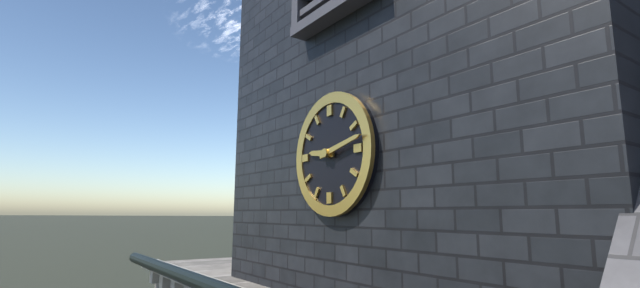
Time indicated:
{"hour": 9, "minute": 13}
